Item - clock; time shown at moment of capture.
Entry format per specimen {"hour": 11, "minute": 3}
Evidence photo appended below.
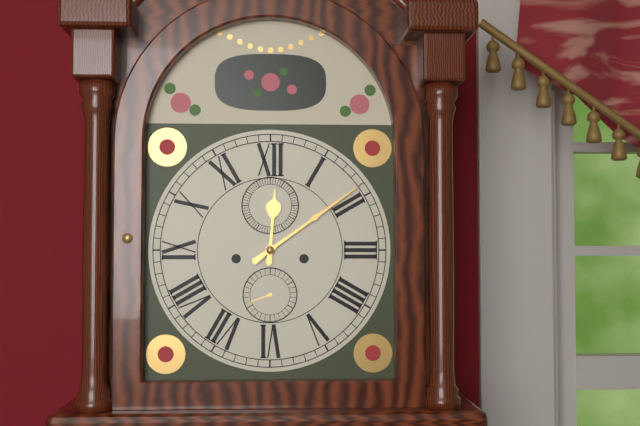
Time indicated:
{"hour": 12, "minute": 9}
